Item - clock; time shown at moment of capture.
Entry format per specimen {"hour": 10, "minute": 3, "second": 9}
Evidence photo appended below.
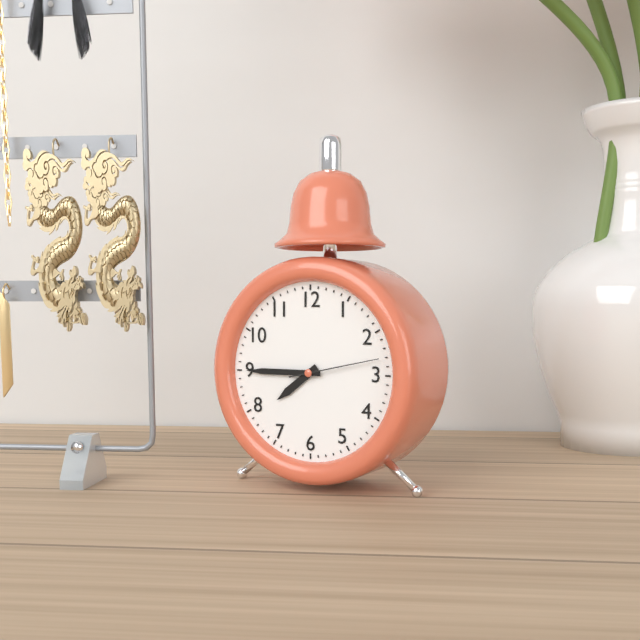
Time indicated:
{"hour": 7, "minute": 45, "second": 13}
